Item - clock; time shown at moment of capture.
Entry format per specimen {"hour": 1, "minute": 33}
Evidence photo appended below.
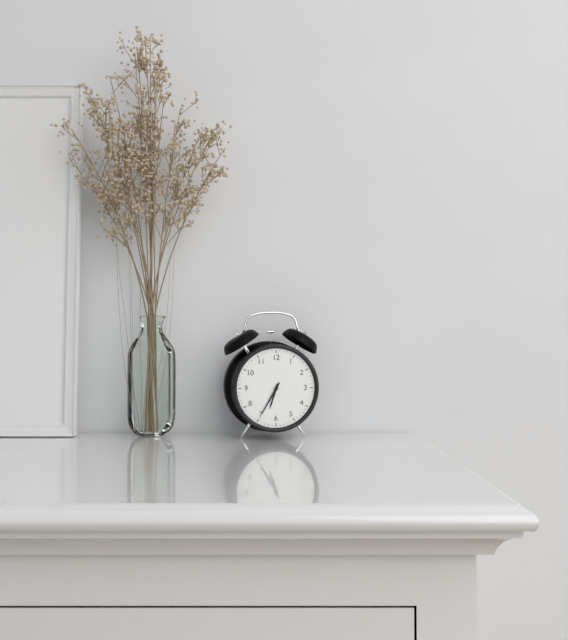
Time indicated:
{"hour": 6, "minute": 35}
